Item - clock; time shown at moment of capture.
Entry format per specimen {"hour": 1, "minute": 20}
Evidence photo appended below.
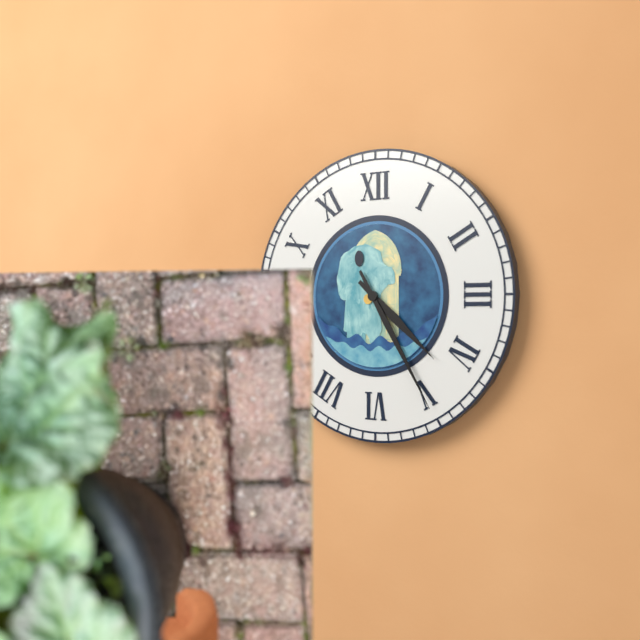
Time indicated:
{"hour": 4, "minute": 25}
